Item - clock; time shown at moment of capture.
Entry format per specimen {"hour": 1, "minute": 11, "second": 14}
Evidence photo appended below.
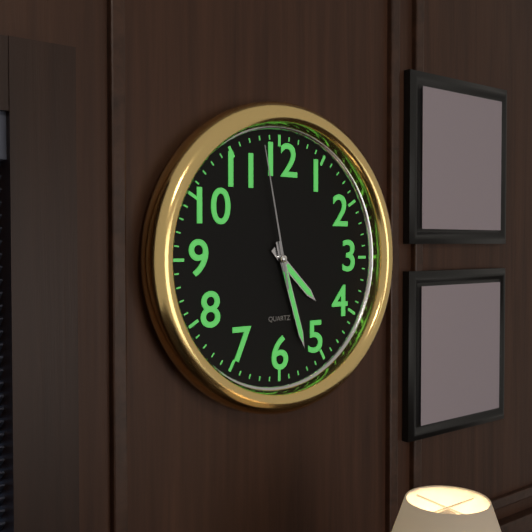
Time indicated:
{"hour": 4, "minute": 27, "second": 58}
